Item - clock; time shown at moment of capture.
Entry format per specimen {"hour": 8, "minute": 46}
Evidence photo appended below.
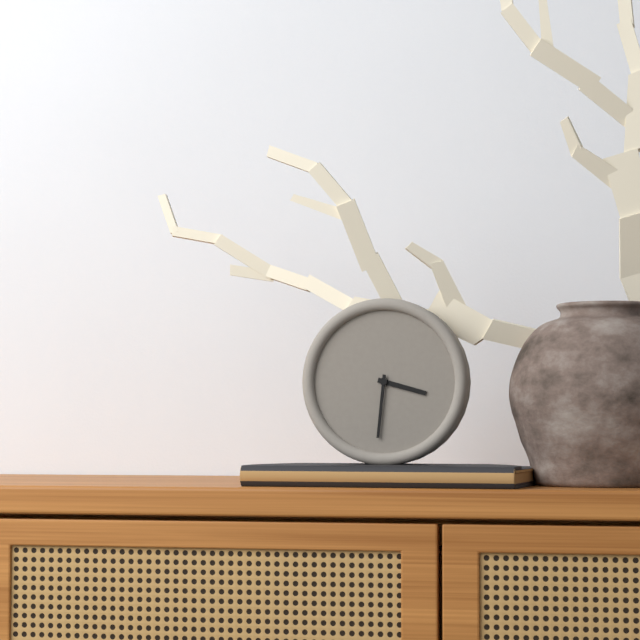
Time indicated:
{"hour": 3, "minute": 31}
